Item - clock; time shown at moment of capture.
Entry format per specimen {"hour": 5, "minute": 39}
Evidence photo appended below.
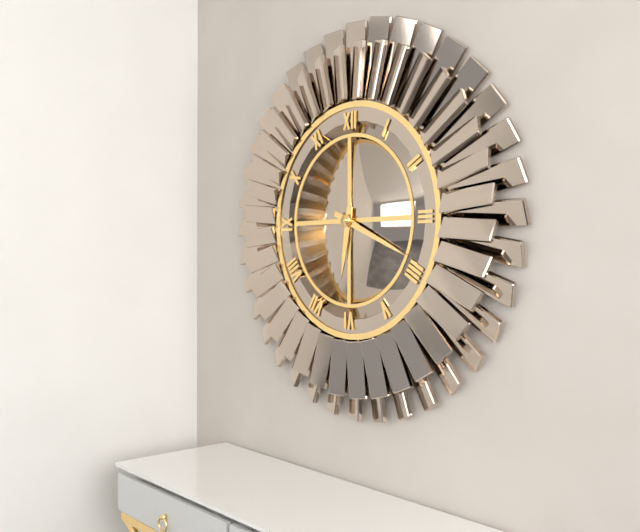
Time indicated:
{"hour": 6, "minute": 19}
